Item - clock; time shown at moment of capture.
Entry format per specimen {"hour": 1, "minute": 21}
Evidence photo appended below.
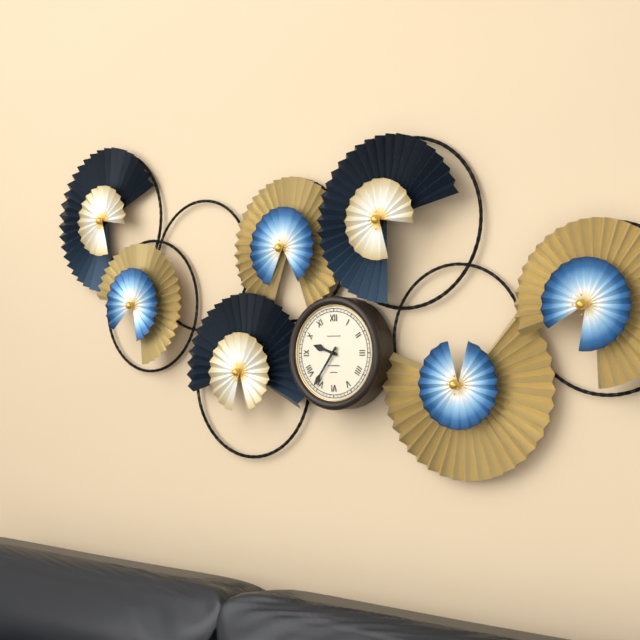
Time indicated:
{"hour": 9, "minute": 36}
